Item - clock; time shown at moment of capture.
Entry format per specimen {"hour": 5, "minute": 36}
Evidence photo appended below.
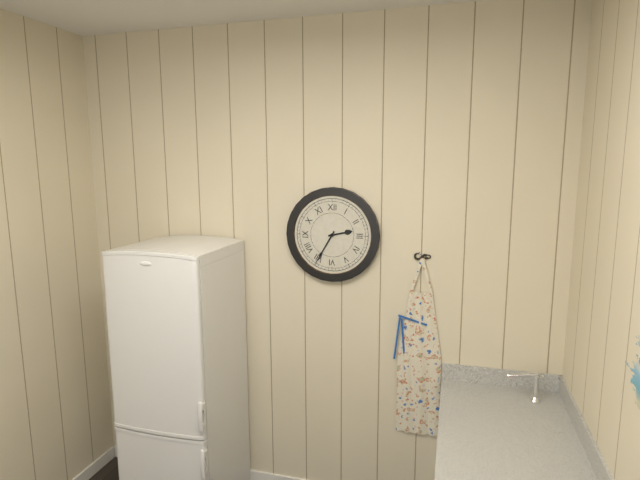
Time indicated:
{"hour": 2, "minute": 35}
